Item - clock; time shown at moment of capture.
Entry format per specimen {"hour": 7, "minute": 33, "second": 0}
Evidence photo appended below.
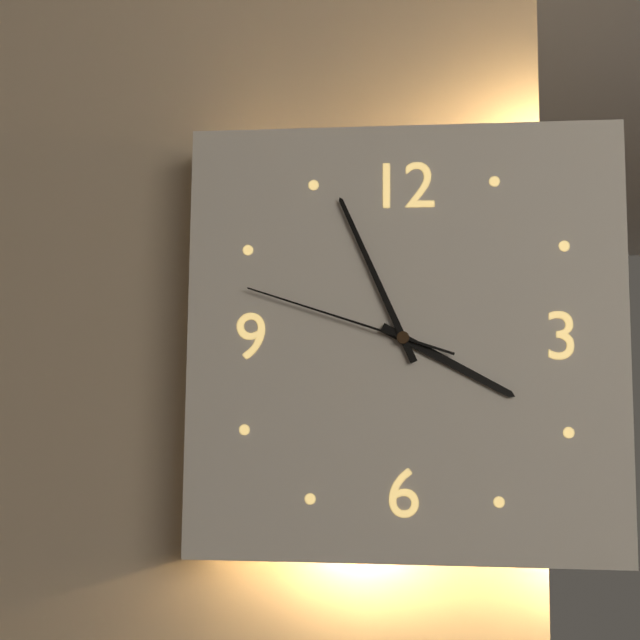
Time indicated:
{"hour": 3, "minute": 56, "second": 48}
